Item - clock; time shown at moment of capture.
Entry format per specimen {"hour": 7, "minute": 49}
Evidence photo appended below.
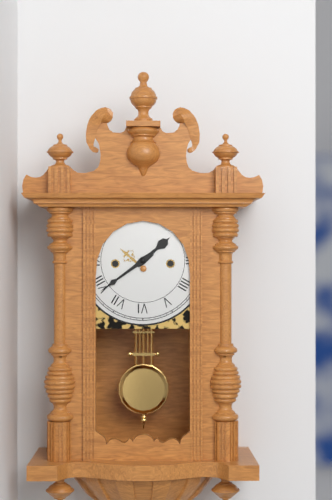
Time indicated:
{"hour": 1, "minute": 39}
